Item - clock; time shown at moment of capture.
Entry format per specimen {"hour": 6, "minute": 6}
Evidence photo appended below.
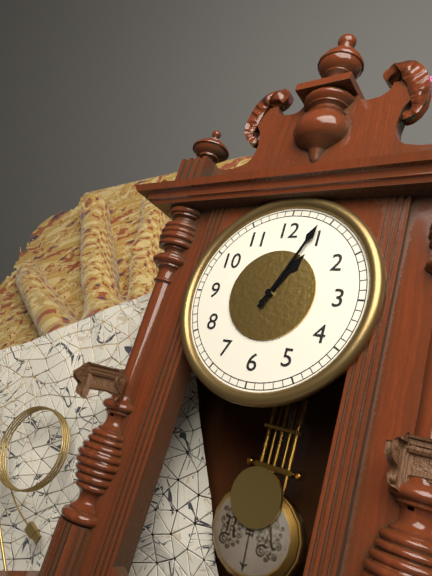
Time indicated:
{"hour": 1, "minute": 4}
